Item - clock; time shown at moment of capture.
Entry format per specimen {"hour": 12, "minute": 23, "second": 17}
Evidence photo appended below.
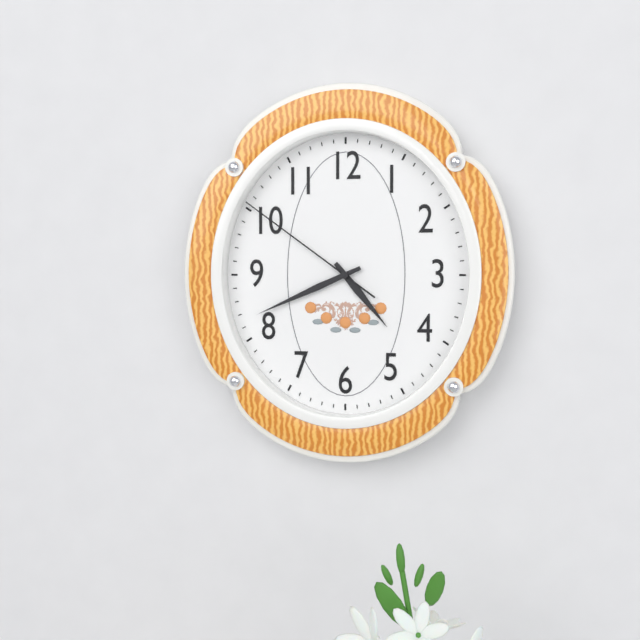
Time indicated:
{"hour": 4, "minute": 41, "second": 51}
